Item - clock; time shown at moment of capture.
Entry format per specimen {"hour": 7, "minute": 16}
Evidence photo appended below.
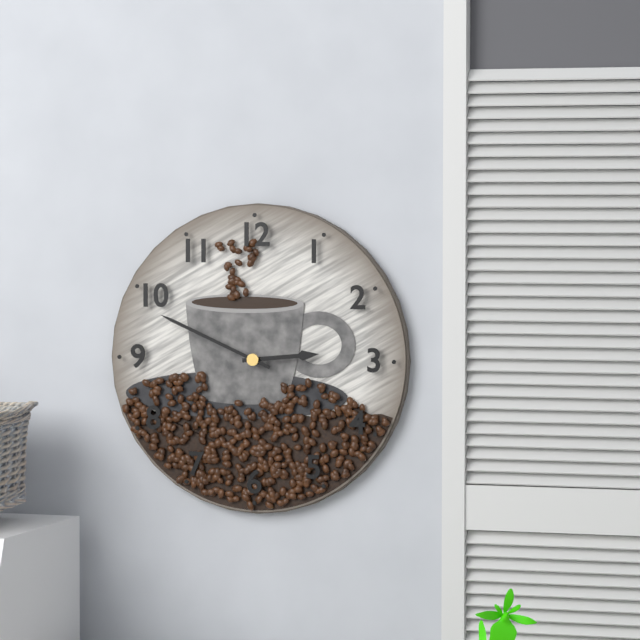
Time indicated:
{"hour": 2, "minute": 49}
